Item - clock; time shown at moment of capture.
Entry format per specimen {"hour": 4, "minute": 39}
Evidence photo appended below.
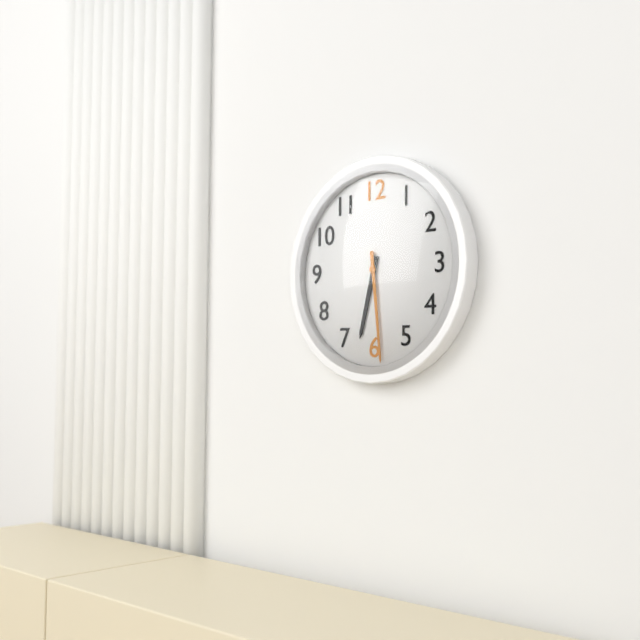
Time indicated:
{"hour": 6, "minute": 29}
